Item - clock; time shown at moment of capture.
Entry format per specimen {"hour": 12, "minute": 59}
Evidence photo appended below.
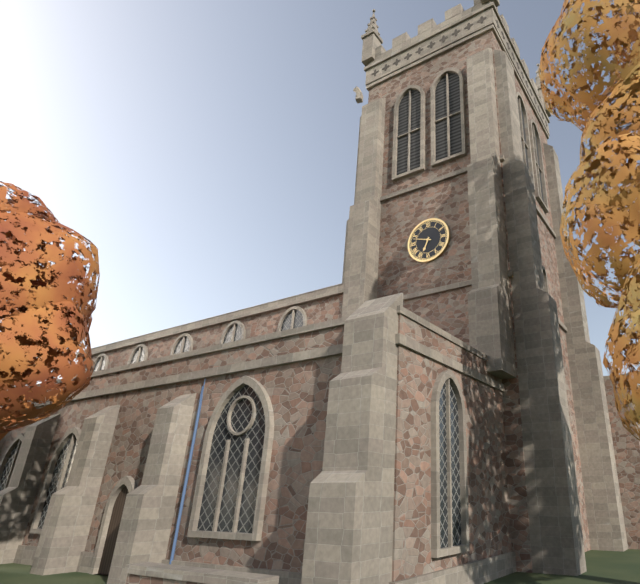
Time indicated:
{"hour": 6, "minute": 48}
